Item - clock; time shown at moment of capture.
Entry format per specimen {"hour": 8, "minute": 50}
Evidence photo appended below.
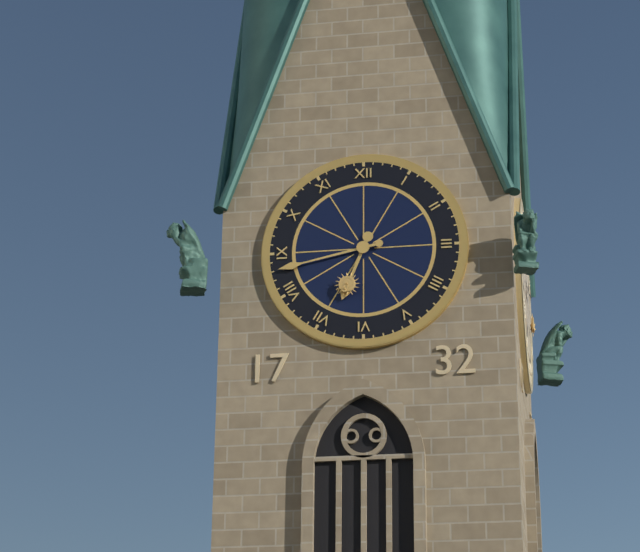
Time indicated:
{"hour": 6, "minute": 43}
